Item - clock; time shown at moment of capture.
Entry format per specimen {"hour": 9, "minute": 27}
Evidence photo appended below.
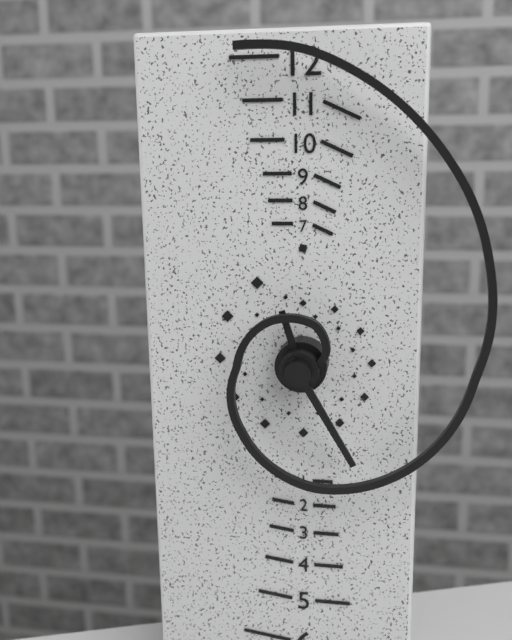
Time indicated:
{"hour": 11, "minute": 25}
